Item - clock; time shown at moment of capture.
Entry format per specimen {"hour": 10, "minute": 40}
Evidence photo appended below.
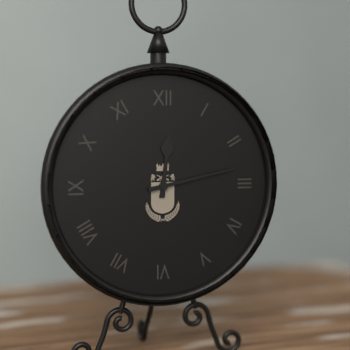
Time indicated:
{"hour": 12, "minute": 13}
